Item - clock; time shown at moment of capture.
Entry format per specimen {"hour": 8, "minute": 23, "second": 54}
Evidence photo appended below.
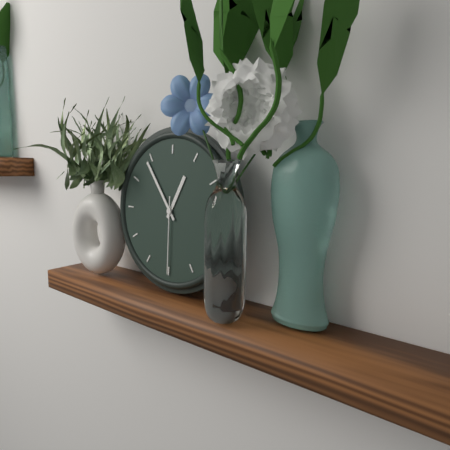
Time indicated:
{"hour": 12, "minute": 54, "second": 30}
